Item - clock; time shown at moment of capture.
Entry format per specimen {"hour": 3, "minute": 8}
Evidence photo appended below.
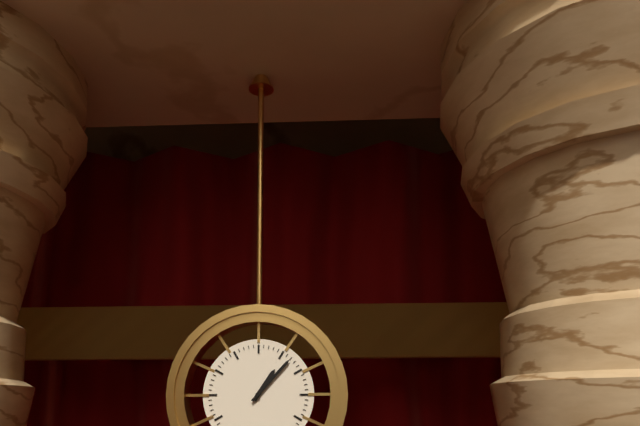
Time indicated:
{"hour": 1, "minute": 7}
